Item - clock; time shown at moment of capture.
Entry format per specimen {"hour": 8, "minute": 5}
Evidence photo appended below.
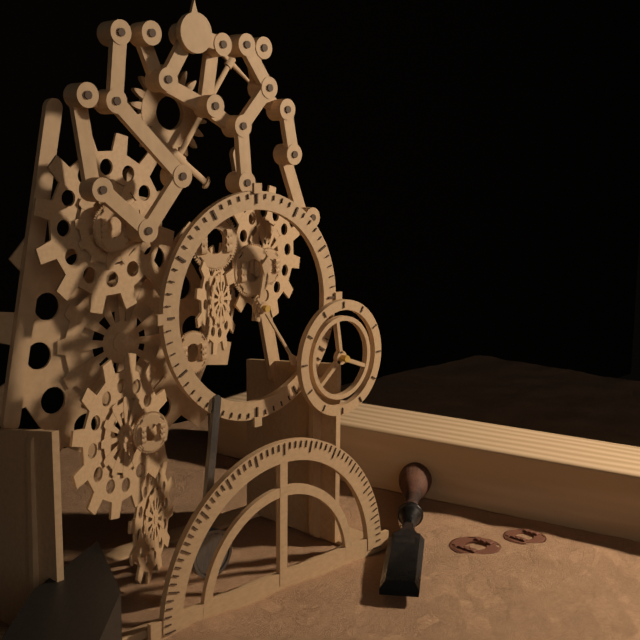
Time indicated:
{"hour": 12, "minute": 24}
